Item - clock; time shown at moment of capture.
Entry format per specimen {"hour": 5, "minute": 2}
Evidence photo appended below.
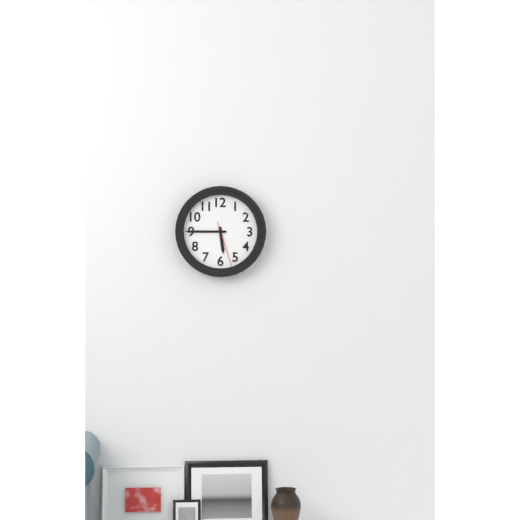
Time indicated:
{"hour": 5, "minute": 45}
